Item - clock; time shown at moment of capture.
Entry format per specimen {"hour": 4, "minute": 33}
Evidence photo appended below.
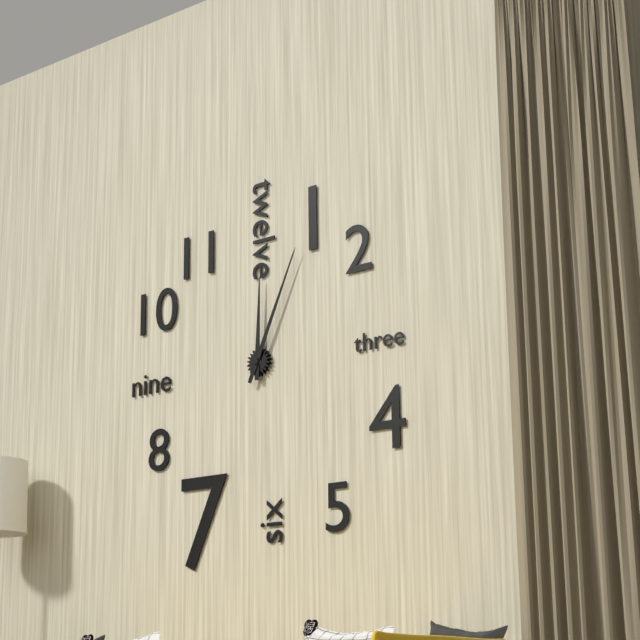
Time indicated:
{"hour": 12, "minute": 4}
